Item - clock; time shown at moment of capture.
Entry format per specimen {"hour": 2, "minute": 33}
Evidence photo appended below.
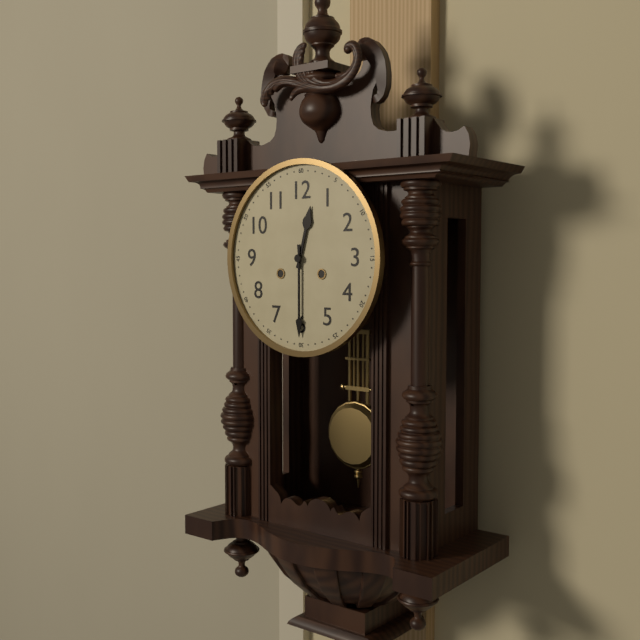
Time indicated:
{"hour": 12, "minute": 30}
